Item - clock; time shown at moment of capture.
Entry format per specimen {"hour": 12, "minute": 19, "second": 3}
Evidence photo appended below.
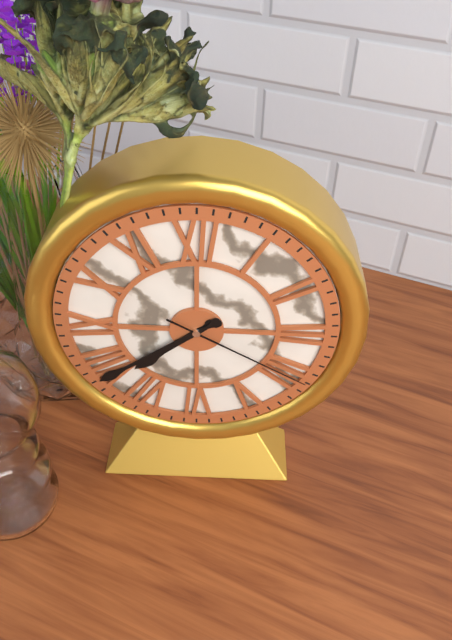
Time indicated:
{"hour": 7, "minute": 39, "second": 20}
